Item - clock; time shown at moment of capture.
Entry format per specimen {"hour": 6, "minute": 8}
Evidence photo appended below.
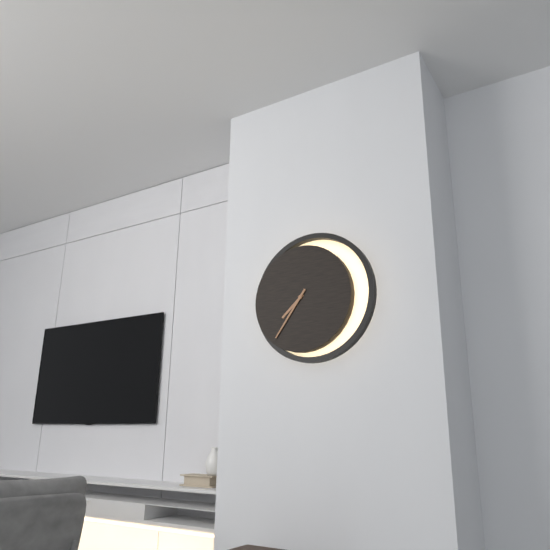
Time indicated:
{"hour": 7, "minute": 36}
